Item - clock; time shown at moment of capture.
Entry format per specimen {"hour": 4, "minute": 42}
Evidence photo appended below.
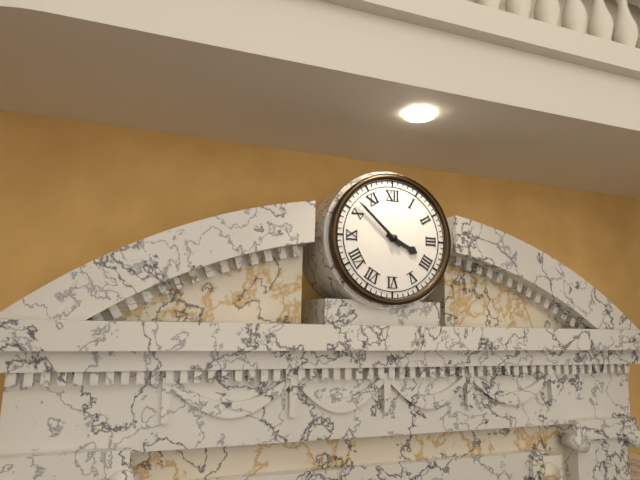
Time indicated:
{"hour": 3, "minute": 52}
